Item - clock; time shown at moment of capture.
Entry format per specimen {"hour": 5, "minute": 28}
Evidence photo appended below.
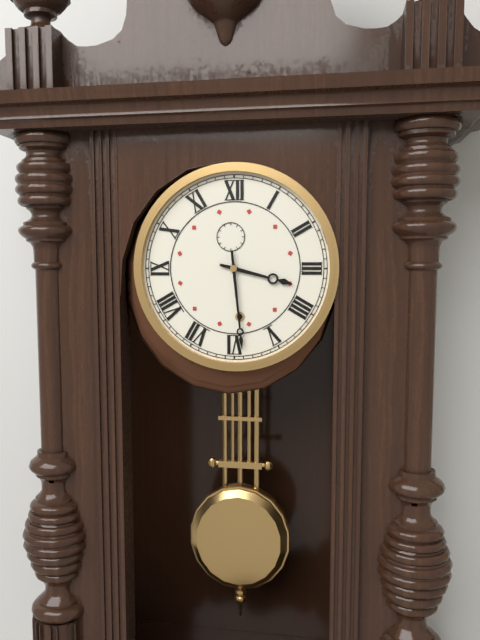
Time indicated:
{"hour": 3, "minute": 29}
